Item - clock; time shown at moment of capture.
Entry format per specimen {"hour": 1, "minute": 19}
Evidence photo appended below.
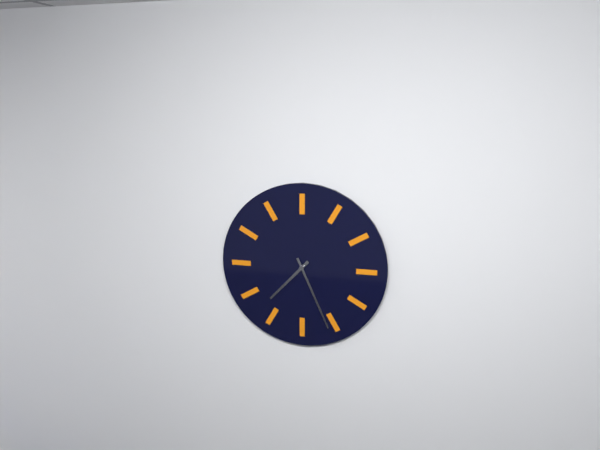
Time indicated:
{"hour": 7, "minute": 26}
